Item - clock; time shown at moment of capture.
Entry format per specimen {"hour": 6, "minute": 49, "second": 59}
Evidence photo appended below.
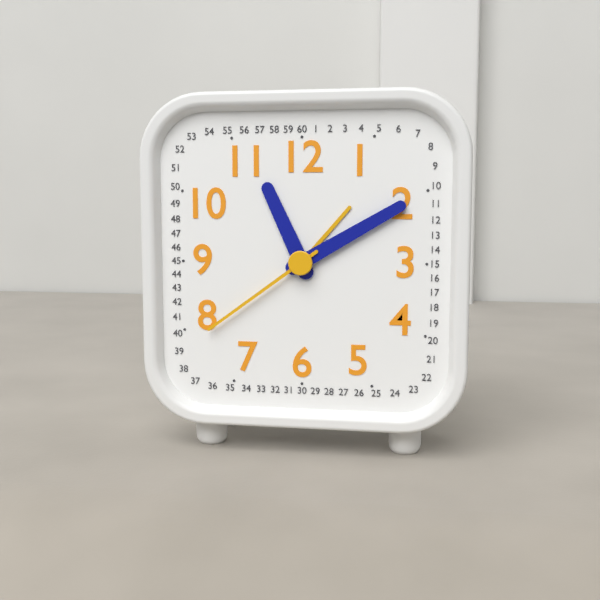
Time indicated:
{"hour": 11, "minute": 10, "second": 39}
